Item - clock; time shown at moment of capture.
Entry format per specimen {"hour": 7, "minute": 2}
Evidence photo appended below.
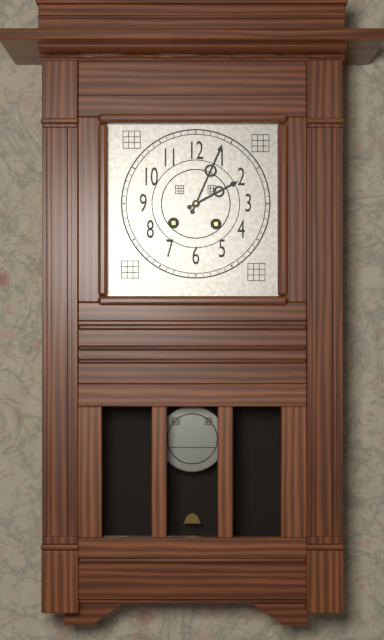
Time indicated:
{"hour": 2, "minute": 4}
